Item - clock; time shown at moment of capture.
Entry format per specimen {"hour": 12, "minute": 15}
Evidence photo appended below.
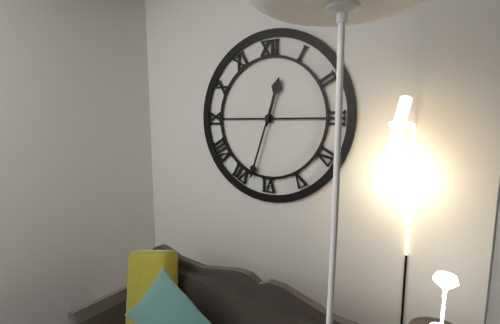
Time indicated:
{"hour": 12, "minute": 33}
